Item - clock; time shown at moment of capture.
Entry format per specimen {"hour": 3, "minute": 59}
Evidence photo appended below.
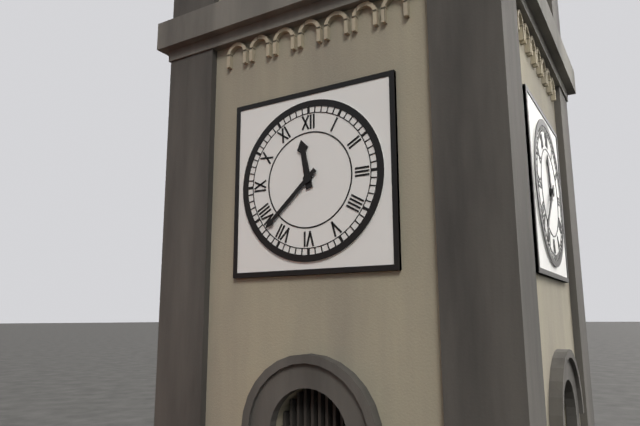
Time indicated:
{"hour": 11, "minute": 38}
